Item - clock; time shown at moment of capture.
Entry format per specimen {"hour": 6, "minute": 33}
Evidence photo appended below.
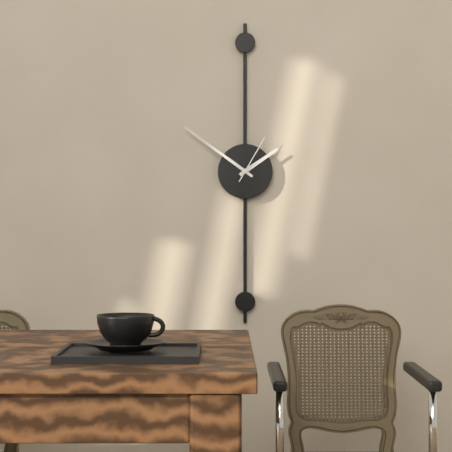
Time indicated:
{"hour": 1, "minute": 51}
